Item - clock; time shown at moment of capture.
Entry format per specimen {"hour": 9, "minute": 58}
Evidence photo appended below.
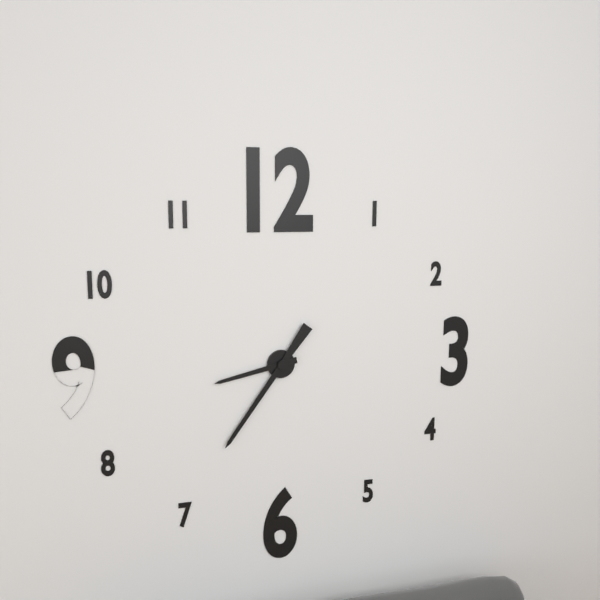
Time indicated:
{"hour": 8, "minute": 36}
